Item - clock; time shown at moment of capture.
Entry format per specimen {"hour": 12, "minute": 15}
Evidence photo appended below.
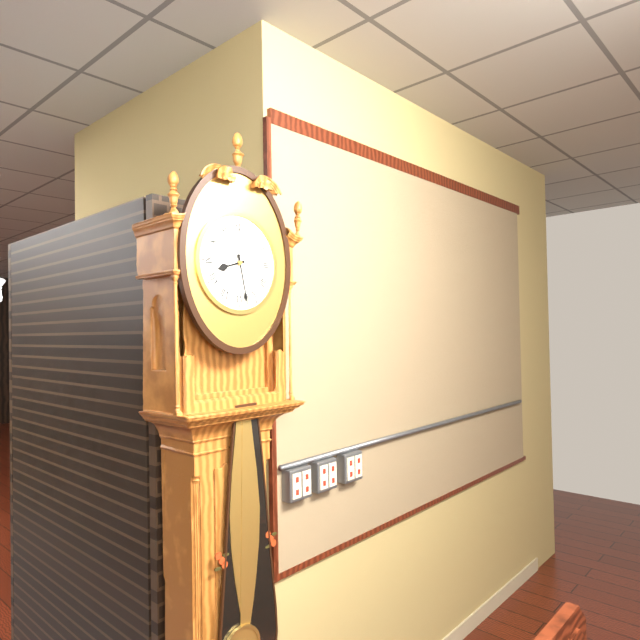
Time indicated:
{"hour": 8, "minute": 28}
